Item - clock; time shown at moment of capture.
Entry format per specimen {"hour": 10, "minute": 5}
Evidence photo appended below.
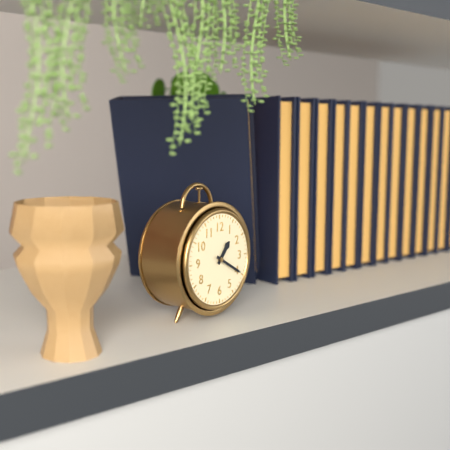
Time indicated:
{"hour": 1, "minute": 20}
